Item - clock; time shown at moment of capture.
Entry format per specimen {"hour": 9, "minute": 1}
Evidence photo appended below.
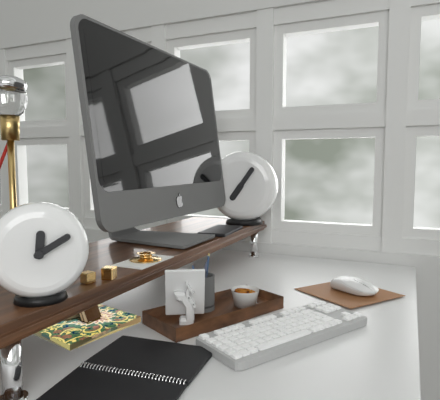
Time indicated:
{"hour": 12, "minute": 10}
